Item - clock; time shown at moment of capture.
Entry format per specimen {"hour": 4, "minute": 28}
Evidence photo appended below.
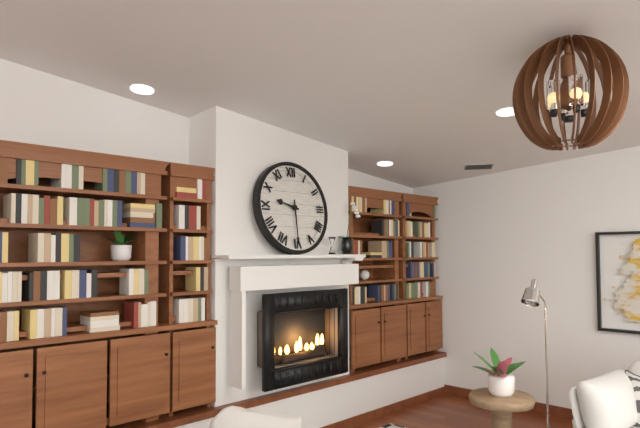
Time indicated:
{"hour": 9, "minute": 30}
